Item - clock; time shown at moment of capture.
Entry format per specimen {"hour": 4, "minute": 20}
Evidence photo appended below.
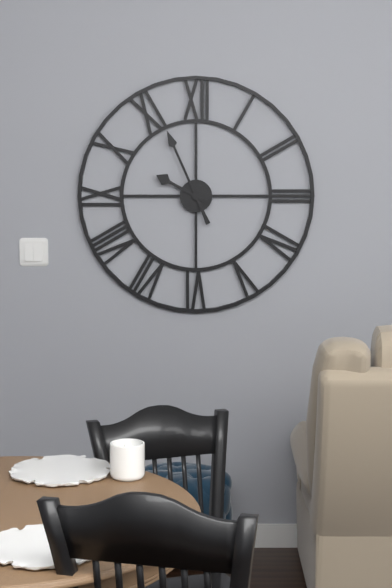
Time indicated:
{"hour": 9, "minute": 56}
